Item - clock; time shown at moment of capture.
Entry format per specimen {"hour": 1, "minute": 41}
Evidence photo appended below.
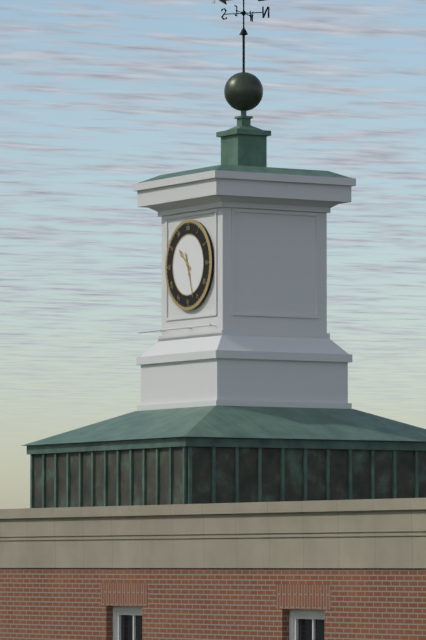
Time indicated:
{"hour": 10, "minute": 27}
